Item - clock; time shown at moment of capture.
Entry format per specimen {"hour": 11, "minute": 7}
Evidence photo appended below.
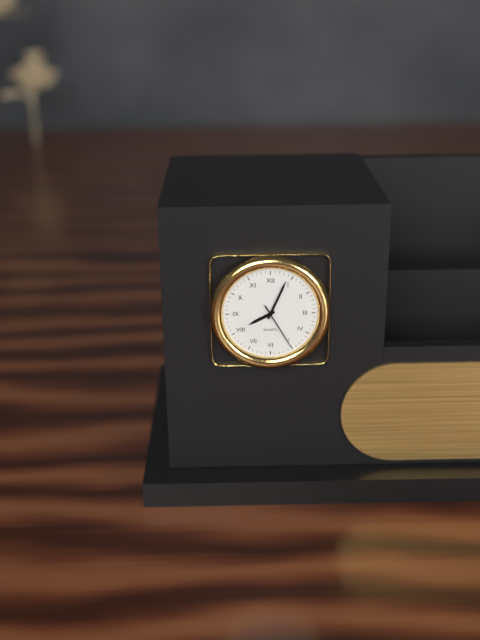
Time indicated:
{"hour": 8, "minute": 4}
